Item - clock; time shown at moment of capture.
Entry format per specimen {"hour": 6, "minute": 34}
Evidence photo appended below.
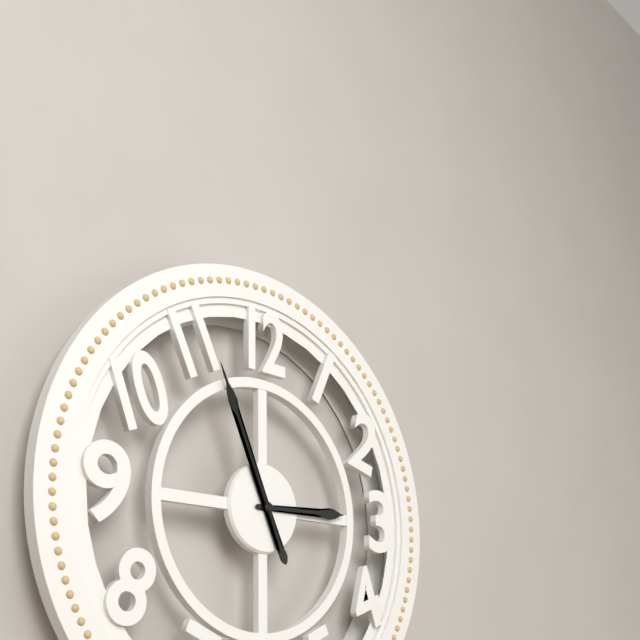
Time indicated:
{"hour": 2, "minute": 56}
